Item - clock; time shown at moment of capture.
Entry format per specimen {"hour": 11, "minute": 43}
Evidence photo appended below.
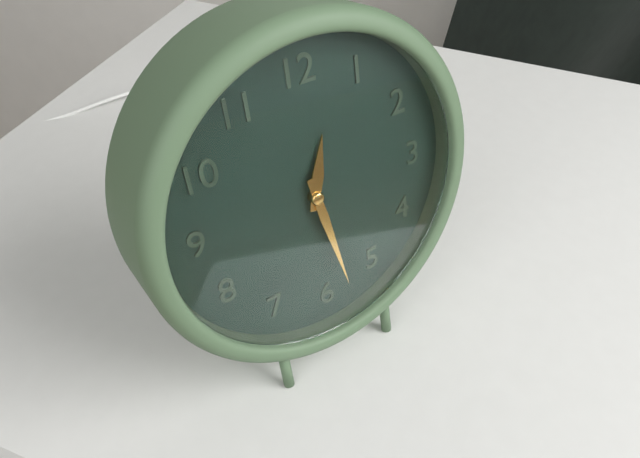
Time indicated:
{"hour": 12, "minute": 28}
